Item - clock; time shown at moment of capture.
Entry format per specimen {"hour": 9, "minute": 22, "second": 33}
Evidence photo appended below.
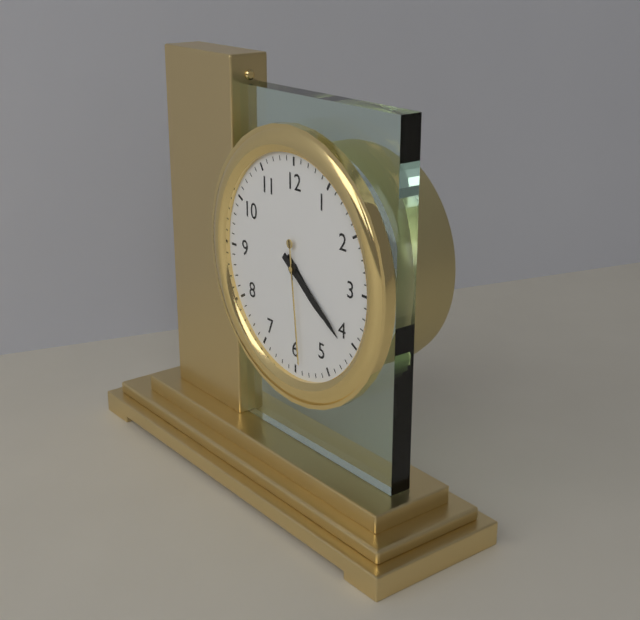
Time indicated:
{"hour": 4, "minute": 21, "second": 29}
